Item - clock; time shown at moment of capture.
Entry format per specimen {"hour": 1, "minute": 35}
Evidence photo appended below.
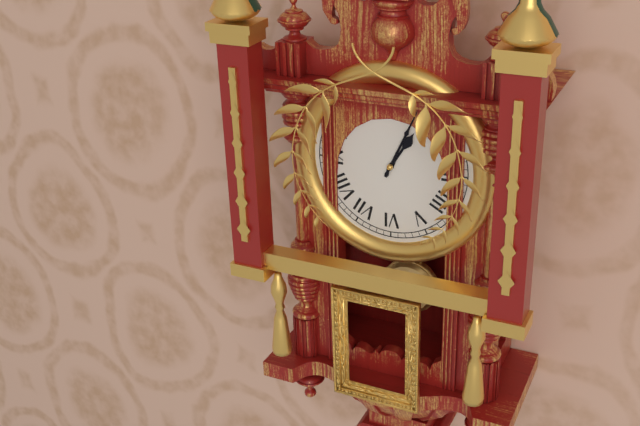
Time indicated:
{"hour": 1, "minute": 4}
